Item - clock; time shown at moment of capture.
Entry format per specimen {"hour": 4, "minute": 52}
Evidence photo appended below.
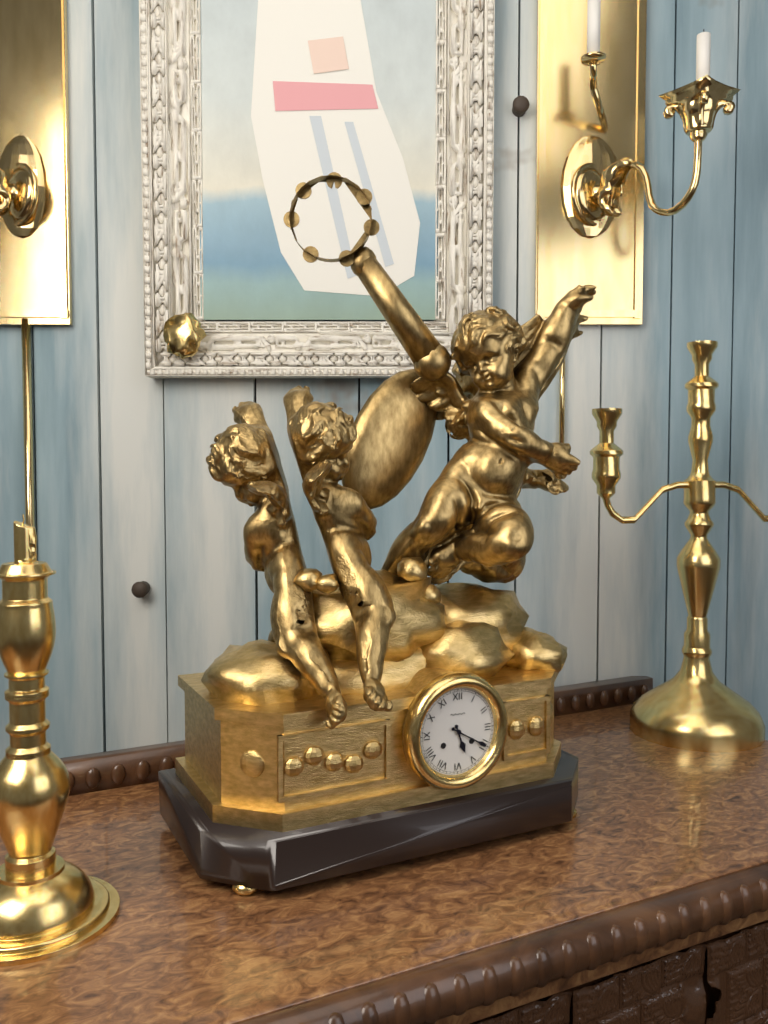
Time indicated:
{"hour": 5, "minute": 20}
